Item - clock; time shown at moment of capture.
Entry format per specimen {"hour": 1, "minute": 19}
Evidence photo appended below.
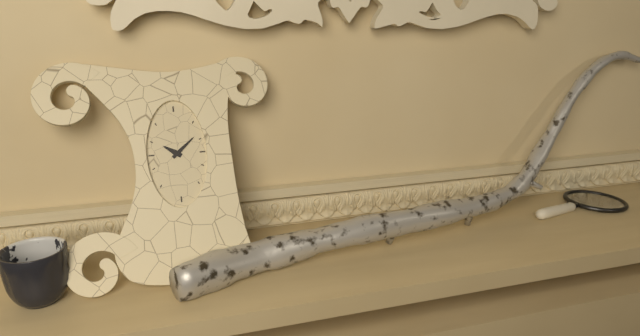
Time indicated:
{"hour": 10, "minute": 8}
